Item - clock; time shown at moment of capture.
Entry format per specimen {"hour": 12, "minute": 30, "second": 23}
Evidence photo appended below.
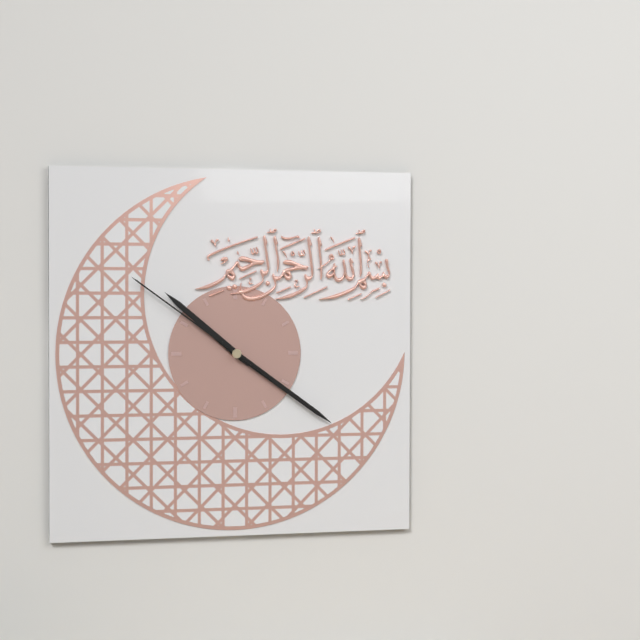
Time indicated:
{"hour": 10, "minute": 21, "second": 51}
